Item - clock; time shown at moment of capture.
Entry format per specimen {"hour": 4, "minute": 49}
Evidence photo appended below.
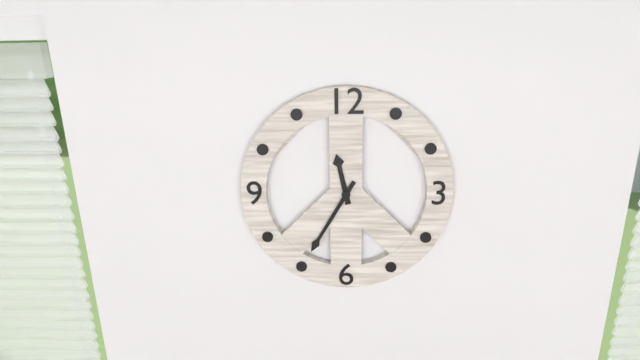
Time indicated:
{"hour": 11, "minute": 35}
